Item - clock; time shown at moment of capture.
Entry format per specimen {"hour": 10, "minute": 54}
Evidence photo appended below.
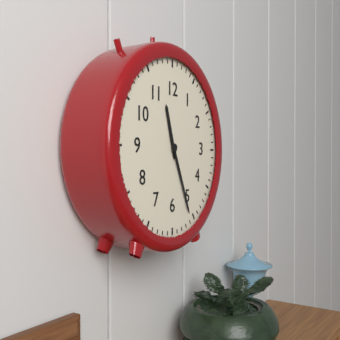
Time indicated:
{"hour": 11, "minute": 26}
